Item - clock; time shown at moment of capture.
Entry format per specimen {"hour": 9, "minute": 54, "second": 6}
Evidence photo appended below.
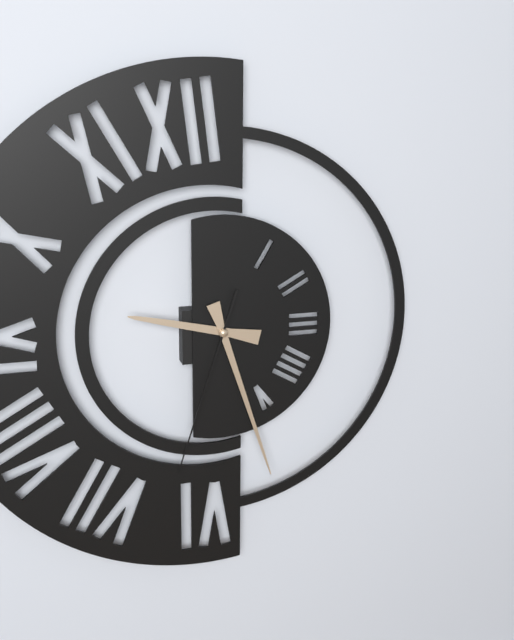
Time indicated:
{"hour": 9, "minute": 27, "second": 33}
